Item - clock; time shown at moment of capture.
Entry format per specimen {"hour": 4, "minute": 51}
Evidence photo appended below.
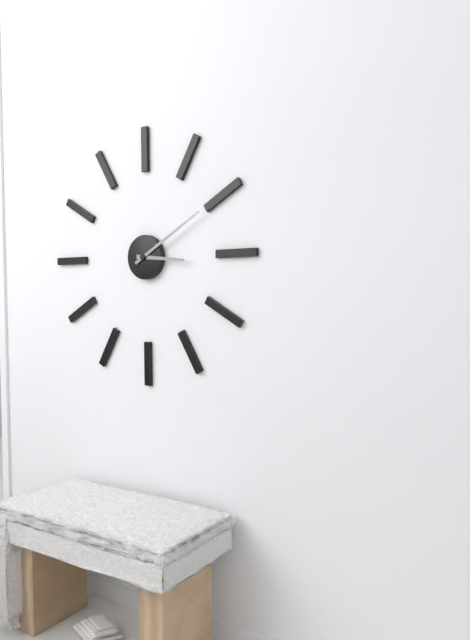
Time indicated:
{"hour": 3, "minute": 10}
